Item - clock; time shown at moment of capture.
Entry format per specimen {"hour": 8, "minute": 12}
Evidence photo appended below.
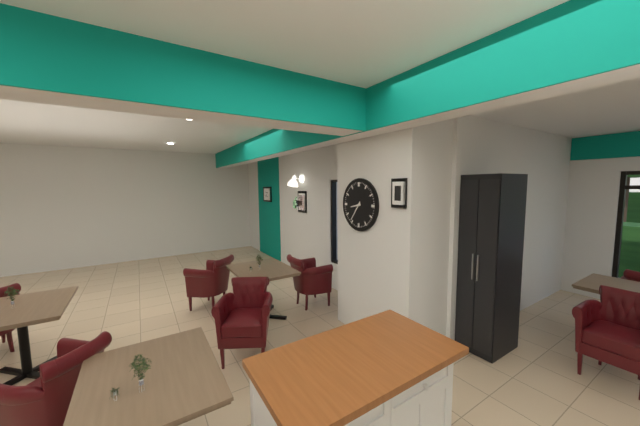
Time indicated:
{"hour": 8, "minute": 36}
